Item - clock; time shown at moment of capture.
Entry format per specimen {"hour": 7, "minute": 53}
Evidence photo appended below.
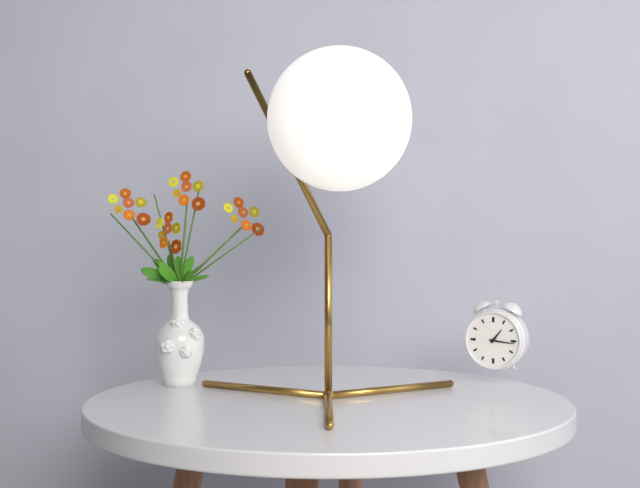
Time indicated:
{"hour": 1, "minute": 16}
